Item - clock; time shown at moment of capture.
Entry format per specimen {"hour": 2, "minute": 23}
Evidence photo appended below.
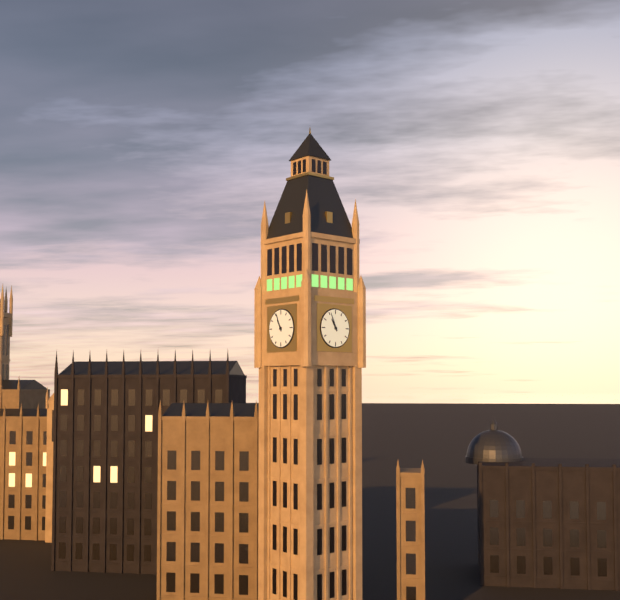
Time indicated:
{"hour": 10, "minute": 56}
